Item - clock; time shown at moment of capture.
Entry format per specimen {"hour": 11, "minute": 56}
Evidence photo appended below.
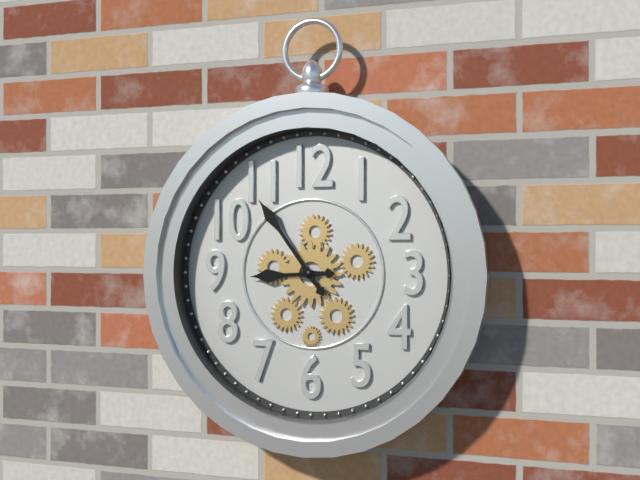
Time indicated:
{"hour": 8, "minute": 54}
